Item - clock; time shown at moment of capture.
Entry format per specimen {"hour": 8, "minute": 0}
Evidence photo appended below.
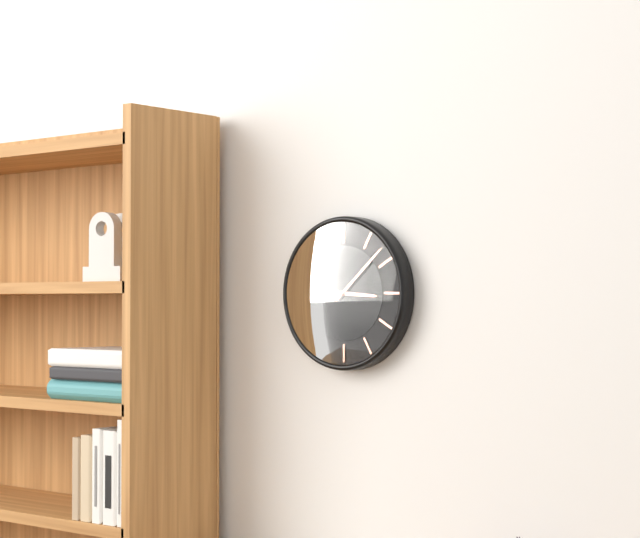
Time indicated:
{"hour": 3, "minute": 8}
